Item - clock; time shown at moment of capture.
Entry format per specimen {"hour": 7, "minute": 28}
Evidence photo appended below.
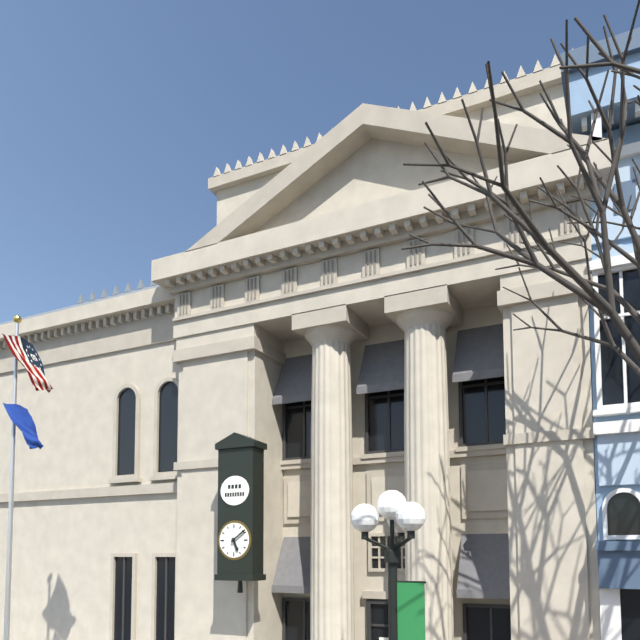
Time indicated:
{"hour": 5, "minute": 9}
